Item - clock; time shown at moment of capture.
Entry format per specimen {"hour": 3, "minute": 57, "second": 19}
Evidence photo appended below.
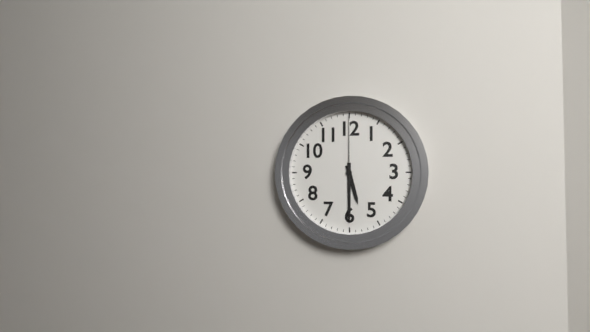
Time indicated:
{"hour": 5, "minute": 30, "second": 0}
